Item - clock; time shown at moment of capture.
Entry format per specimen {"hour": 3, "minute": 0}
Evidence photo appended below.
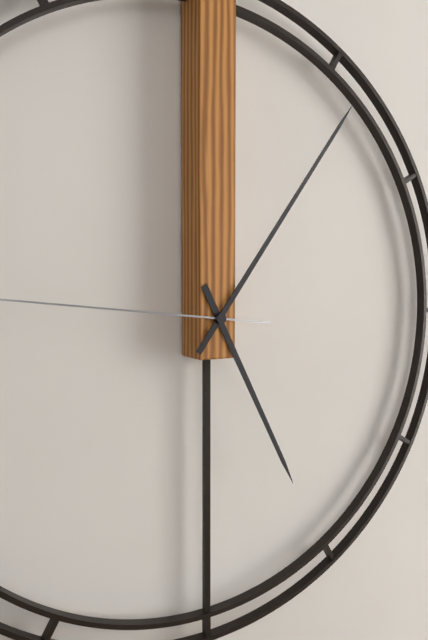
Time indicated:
{"hour": 5, "minute": 6}
